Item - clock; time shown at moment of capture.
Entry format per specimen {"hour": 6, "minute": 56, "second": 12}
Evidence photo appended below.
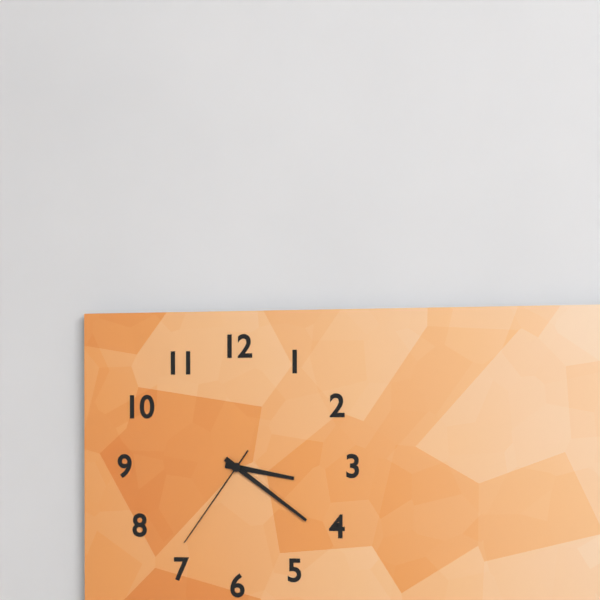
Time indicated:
{"hour": 3, "minute": 21, "second": 36}
